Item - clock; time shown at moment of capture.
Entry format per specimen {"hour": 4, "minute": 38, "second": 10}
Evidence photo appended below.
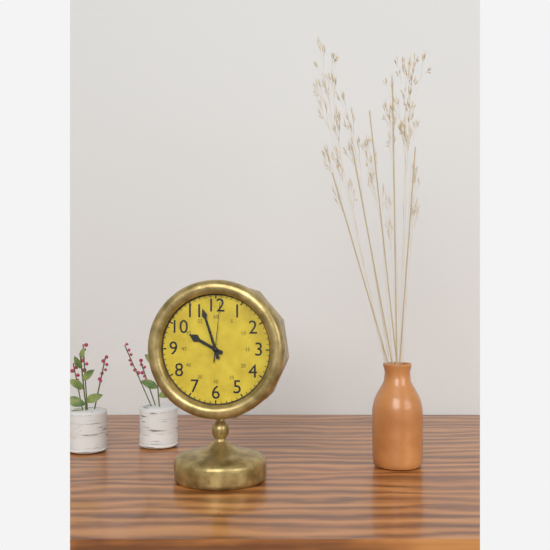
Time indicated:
{"hour": 9, "minute": 57, "second": 1}
